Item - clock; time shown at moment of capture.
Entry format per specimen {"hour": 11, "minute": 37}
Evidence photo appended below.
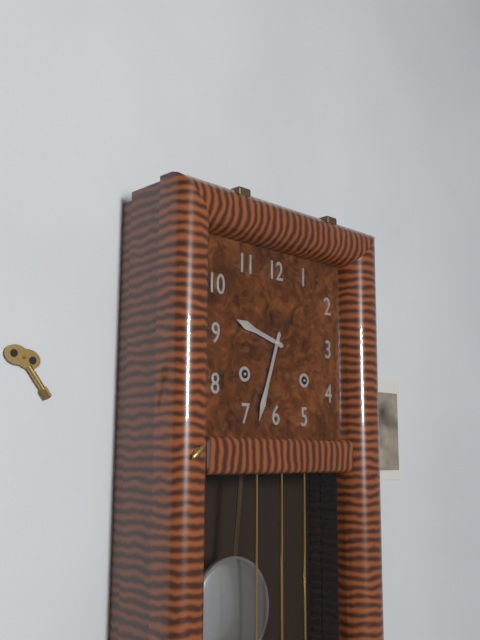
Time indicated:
{"hour": 9, "minute": 33}
